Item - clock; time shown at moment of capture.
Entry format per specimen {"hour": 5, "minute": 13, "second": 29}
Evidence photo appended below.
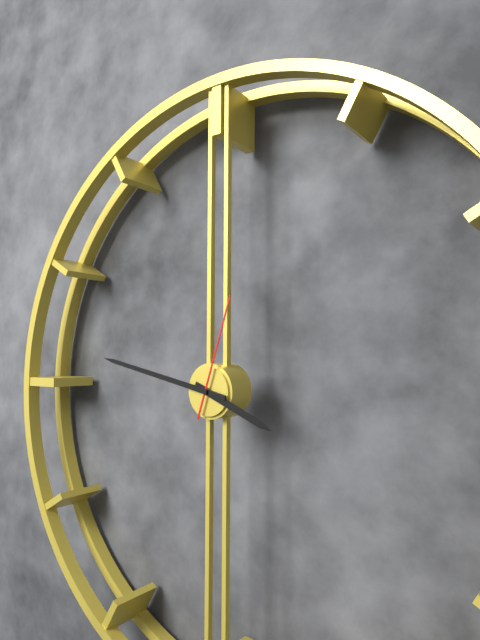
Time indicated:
{"hour": 3, "minute": 47, "second": 3}
